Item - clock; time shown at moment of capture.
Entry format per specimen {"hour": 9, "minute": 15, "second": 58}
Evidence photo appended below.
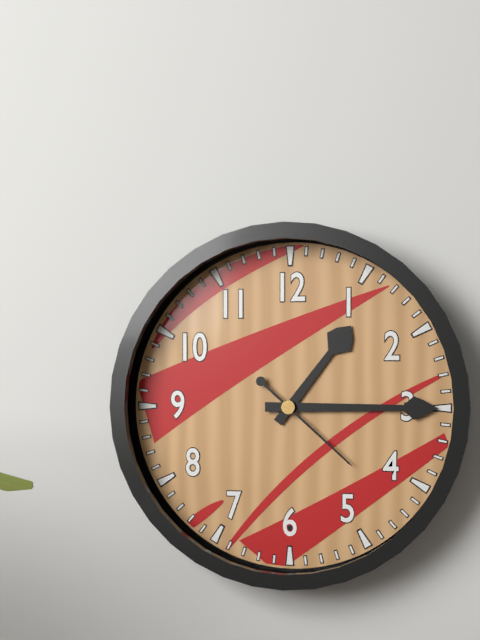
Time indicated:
{"hour": 1, "minute": 15, "second": 22}
